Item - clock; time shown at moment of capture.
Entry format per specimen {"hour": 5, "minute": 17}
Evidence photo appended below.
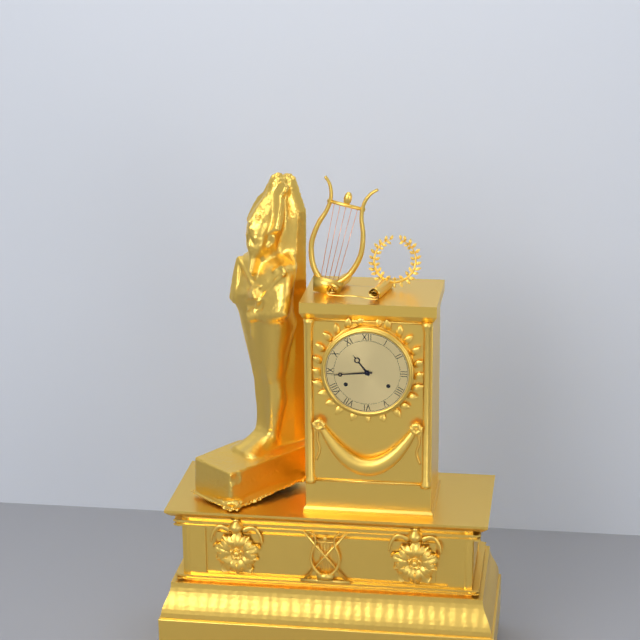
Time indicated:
{"hour": 10, "minute": 44}
